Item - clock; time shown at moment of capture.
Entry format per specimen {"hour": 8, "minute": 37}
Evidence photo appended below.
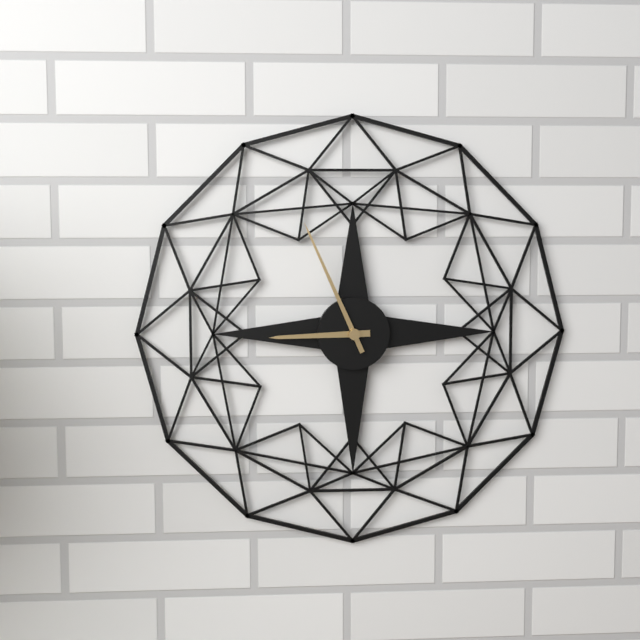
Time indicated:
{"hour": 8, "minute": 56}
